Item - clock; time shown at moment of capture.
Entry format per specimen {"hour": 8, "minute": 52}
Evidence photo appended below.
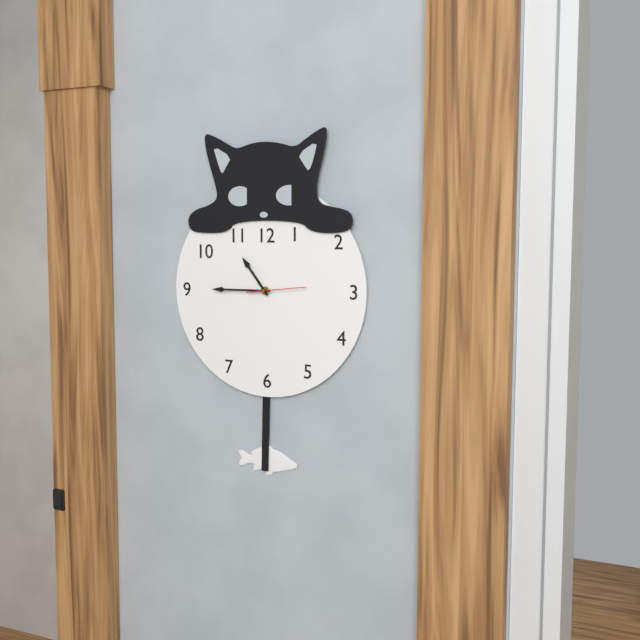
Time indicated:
{"hour": 10, "minute": 45}
